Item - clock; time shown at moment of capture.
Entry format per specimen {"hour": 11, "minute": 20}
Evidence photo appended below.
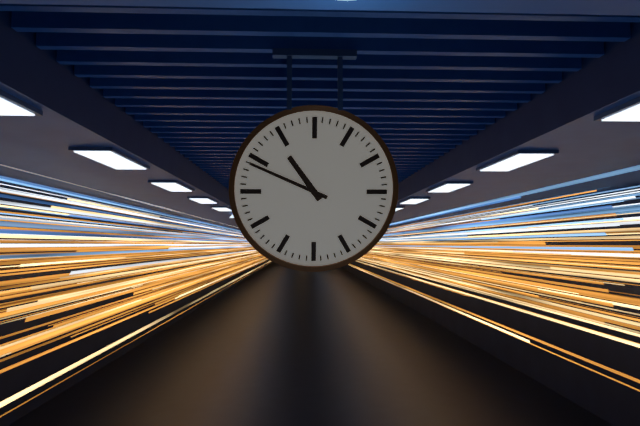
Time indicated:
{"hour": 10, "minute": 49}
